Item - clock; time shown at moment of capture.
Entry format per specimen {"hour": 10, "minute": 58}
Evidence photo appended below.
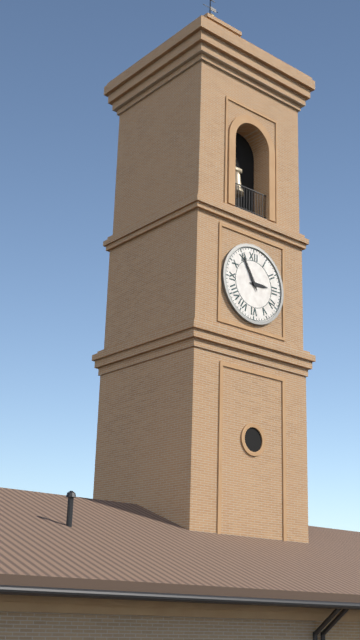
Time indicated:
{"hour": 2, "minute": 55}
